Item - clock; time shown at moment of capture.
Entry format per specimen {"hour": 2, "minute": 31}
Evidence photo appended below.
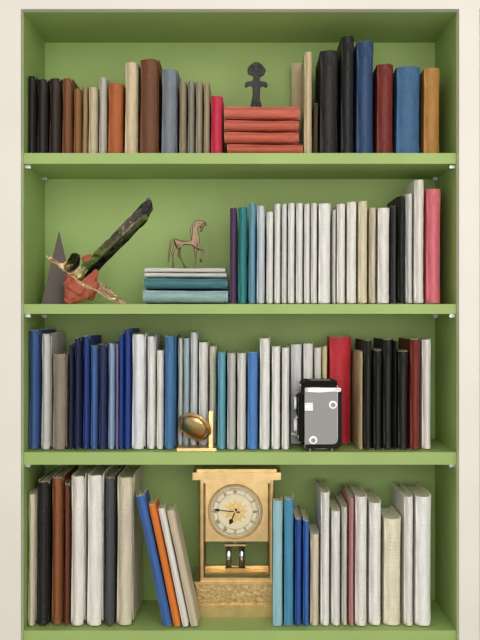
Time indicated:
{"hour": 6, "minute": 46}
